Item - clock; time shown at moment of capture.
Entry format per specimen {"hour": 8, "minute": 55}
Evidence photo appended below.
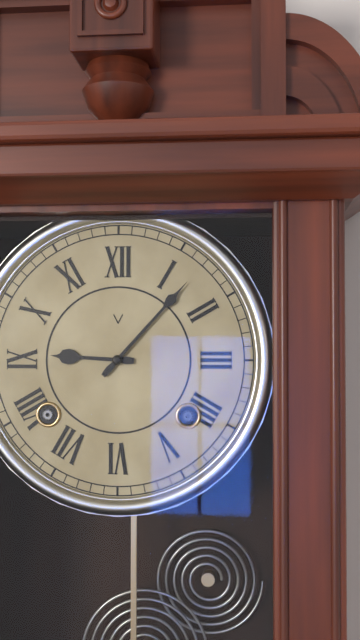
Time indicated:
{"hour": 9, "minute": 7}
